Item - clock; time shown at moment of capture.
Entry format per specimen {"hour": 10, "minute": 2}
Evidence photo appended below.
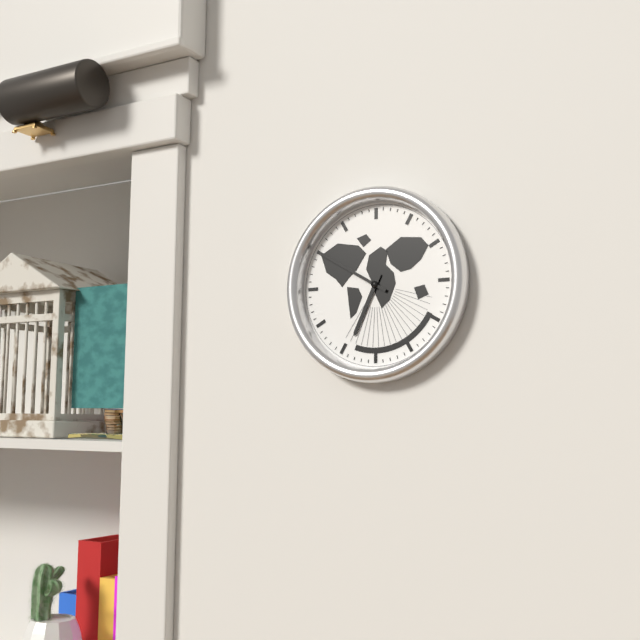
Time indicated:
{"hour": 6, "minute": 50}
